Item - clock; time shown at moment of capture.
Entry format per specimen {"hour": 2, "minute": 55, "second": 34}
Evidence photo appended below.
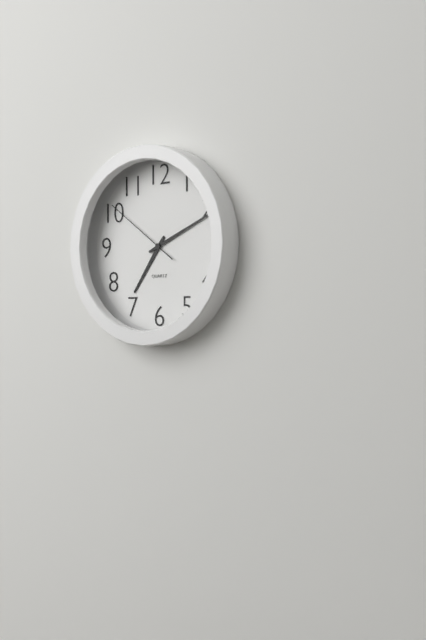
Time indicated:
{"hour": 7, "minute": 11, "second": 51}
